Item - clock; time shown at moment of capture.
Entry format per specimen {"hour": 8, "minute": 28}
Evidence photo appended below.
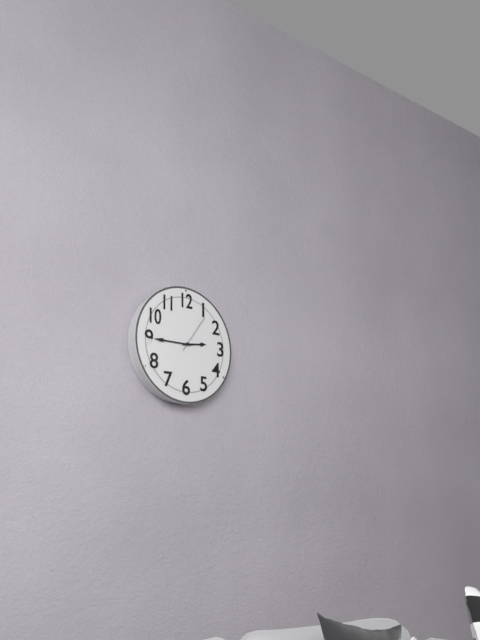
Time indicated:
{"hour": 2, "minute": 45}
